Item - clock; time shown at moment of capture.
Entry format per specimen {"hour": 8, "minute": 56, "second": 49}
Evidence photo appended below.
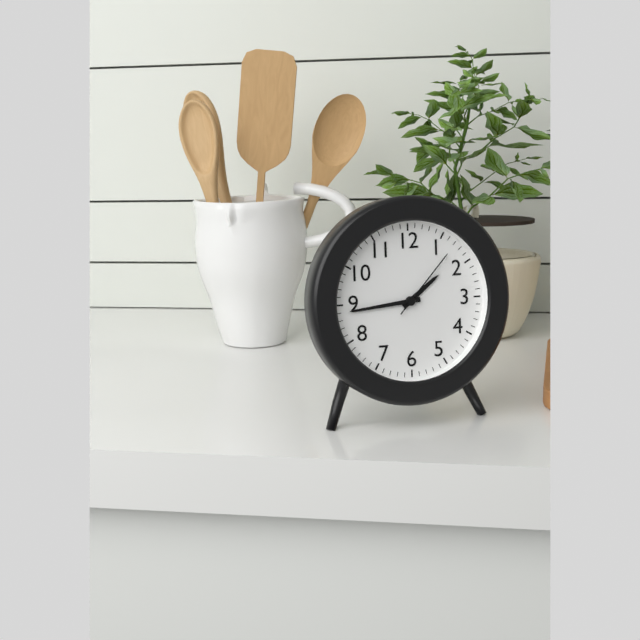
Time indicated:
{"hour": 1, "minute": 44, "second": 7}
